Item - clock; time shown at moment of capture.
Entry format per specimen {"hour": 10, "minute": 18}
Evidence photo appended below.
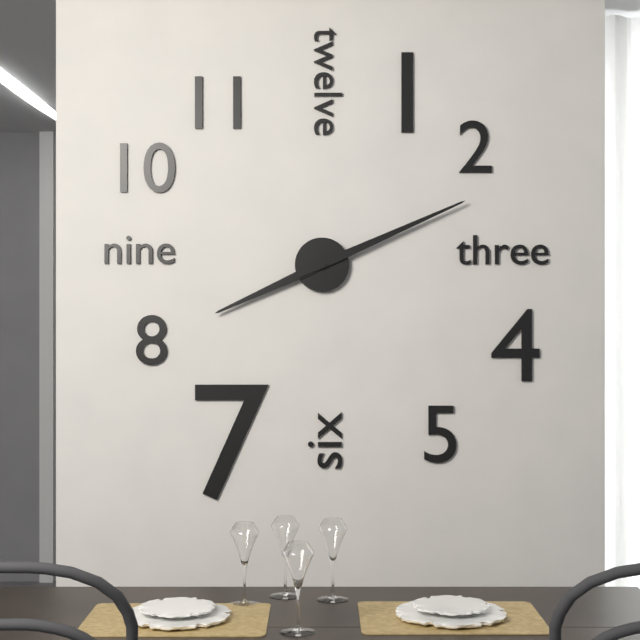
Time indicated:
{"hour": 8, "minute": 11}
